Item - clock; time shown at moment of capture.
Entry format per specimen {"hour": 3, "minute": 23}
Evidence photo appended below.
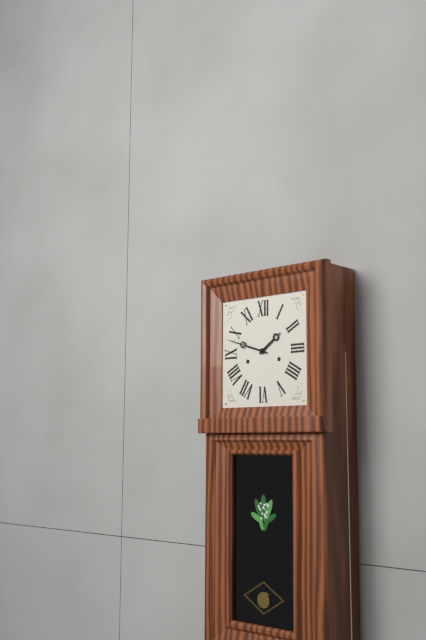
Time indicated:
{"hour": 1, "minute": 48}
